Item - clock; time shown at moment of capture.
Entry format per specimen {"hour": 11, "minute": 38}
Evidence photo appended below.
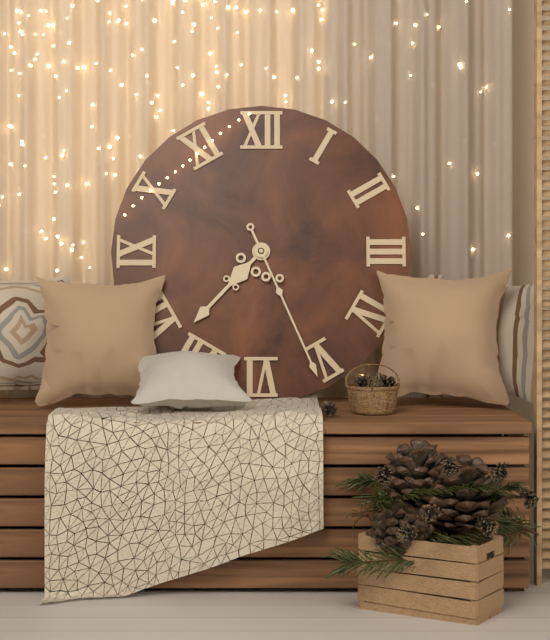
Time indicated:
{"hour": 7, "minute": 26}
